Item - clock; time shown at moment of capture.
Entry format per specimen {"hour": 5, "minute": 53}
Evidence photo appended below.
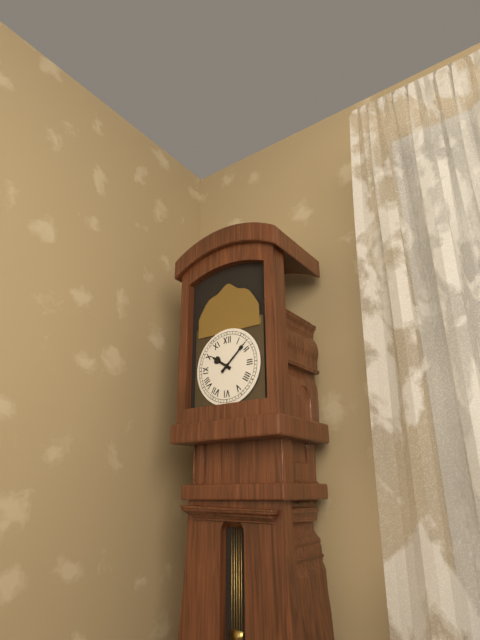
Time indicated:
{"hour": 10, "minute": 8}
